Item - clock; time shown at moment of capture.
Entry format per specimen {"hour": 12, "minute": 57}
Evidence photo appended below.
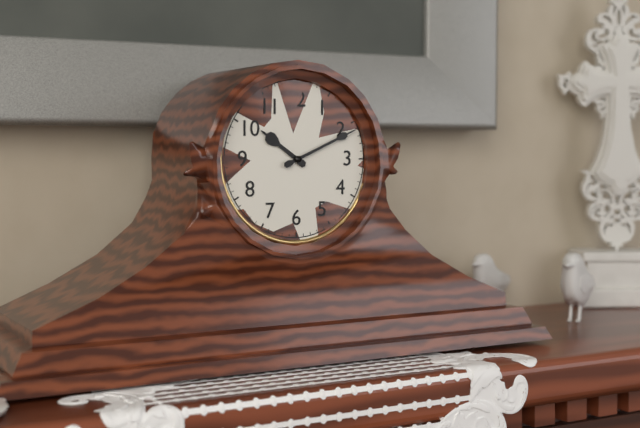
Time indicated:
{"hour": 10, "minute": 11}
